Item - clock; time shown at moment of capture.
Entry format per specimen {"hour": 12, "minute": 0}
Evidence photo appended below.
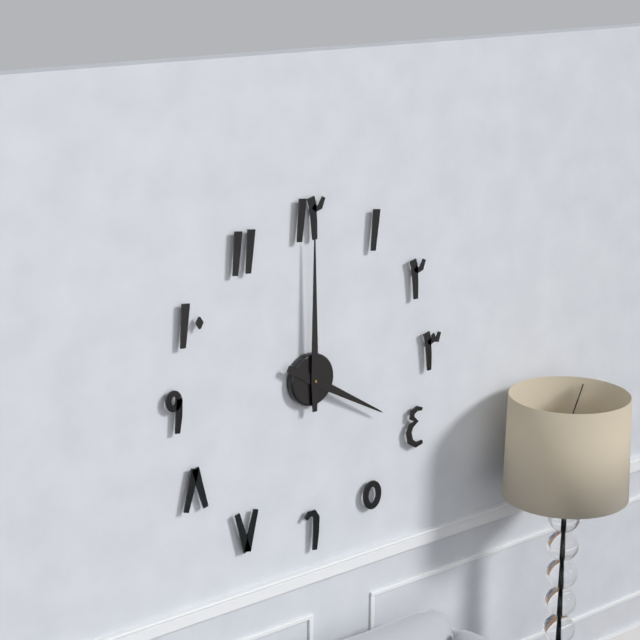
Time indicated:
{"hour": 4, "minute": 0}
